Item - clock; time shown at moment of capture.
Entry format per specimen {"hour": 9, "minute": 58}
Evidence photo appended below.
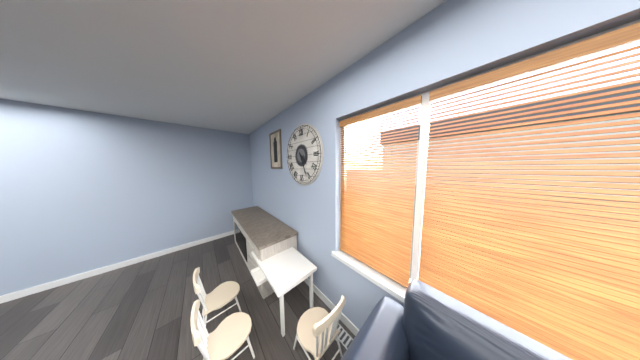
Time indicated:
{"hour": 4, "minute": 26}
